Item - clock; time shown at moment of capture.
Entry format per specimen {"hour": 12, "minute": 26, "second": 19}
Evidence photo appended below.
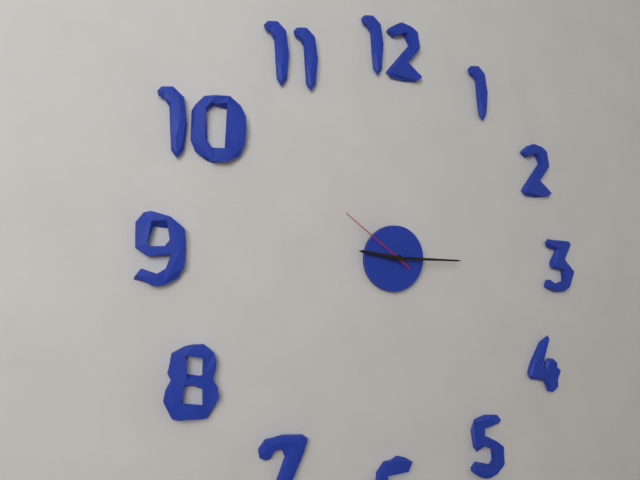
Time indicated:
{"hour": 9, "minute": 15, "second": 51}
